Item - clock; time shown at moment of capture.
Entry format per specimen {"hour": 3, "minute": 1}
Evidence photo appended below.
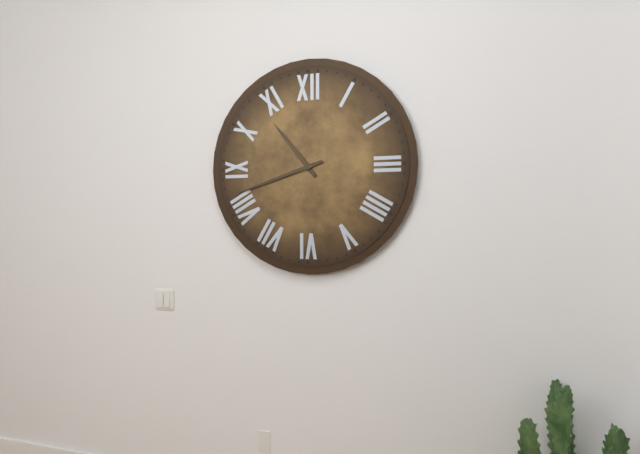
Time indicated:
{"hour": 10, "minute": 42}
